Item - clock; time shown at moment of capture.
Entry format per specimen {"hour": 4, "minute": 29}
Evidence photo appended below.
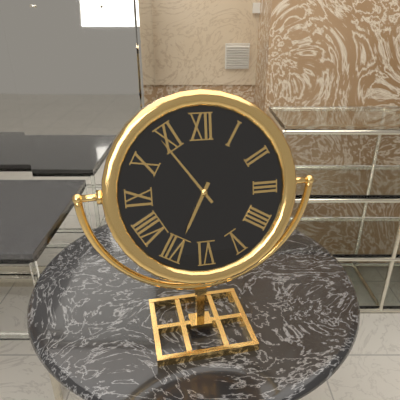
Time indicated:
{"hour": 6, "minute": 54}
